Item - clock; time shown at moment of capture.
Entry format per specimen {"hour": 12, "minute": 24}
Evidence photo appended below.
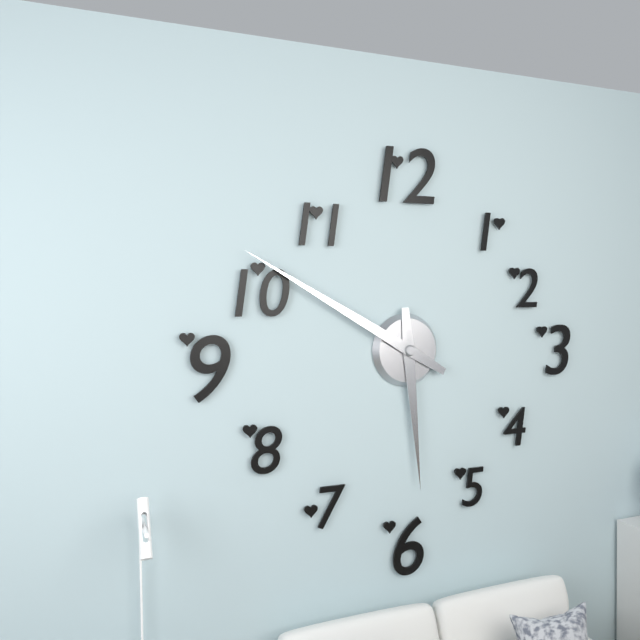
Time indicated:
{"hour": 5, "minute": 50}
